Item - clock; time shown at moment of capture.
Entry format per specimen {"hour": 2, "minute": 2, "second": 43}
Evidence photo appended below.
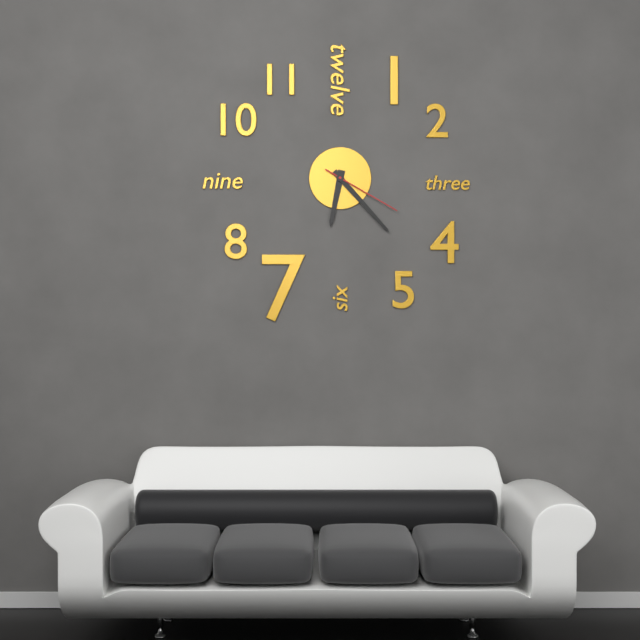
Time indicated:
{"hour": 6, "minute": 23, "second": 20}
